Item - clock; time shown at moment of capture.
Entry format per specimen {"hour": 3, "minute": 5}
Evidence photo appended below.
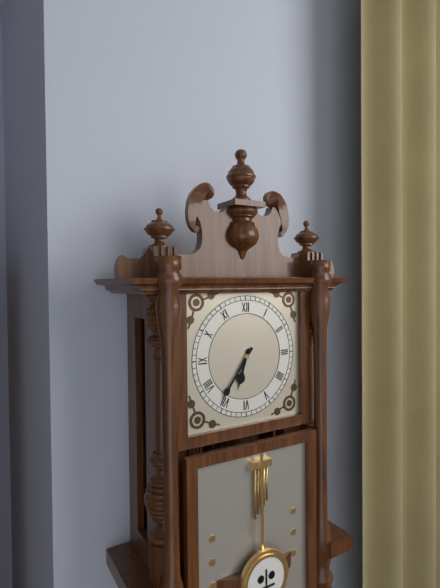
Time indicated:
{"hour": 6, "minute": 36}
